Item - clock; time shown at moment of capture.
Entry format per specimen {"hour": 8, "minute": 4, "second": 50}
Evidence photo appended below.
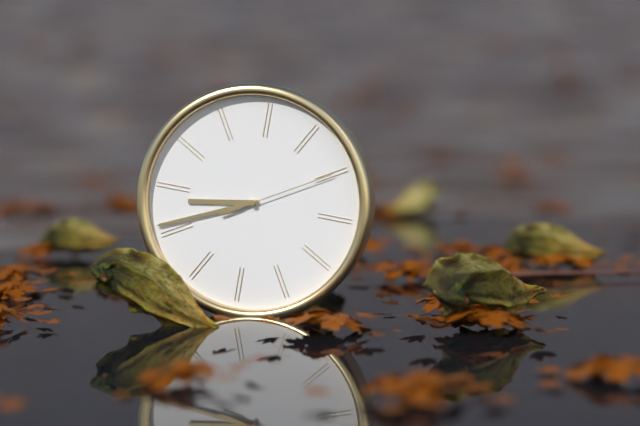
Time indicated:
{"hour": 8, "minute": 41, "second": 10}
